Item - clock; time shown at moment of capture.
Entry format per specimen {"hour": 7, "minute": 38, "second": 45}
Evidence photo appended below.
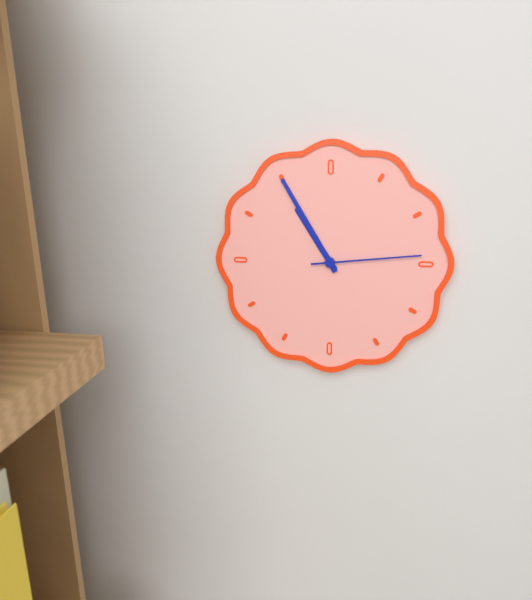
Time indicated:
{"hour": 10, "minute": 55, "second": 14}
